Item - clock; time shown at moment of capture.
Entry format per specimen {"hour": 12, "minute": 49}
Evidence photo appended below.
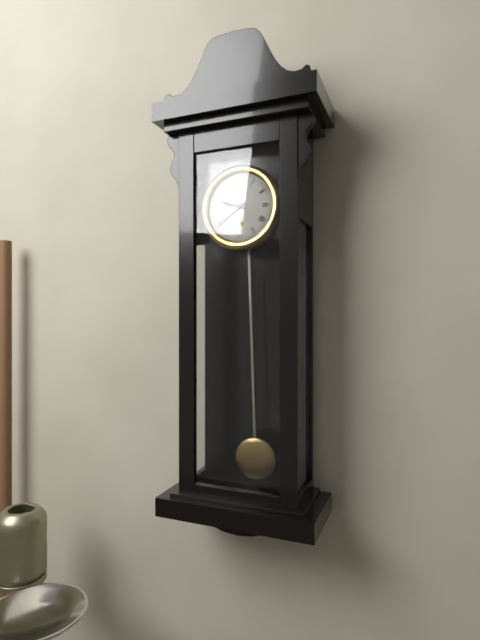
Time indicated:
{"hour": 9, "minute": 39}
